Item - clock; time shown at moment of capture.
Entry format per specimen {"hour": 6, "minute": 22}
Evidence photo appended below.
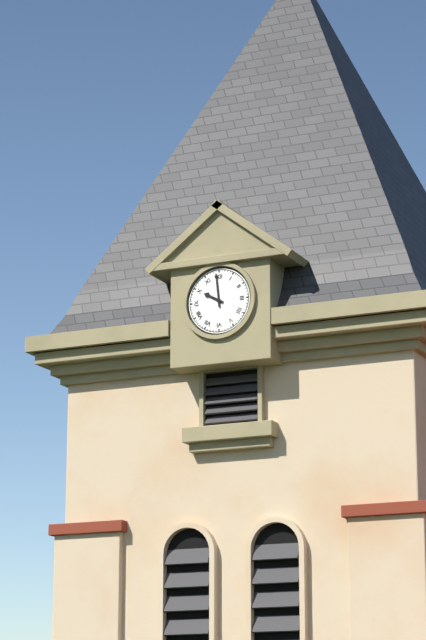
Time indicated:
{"hour": 9, "minute": 59}
